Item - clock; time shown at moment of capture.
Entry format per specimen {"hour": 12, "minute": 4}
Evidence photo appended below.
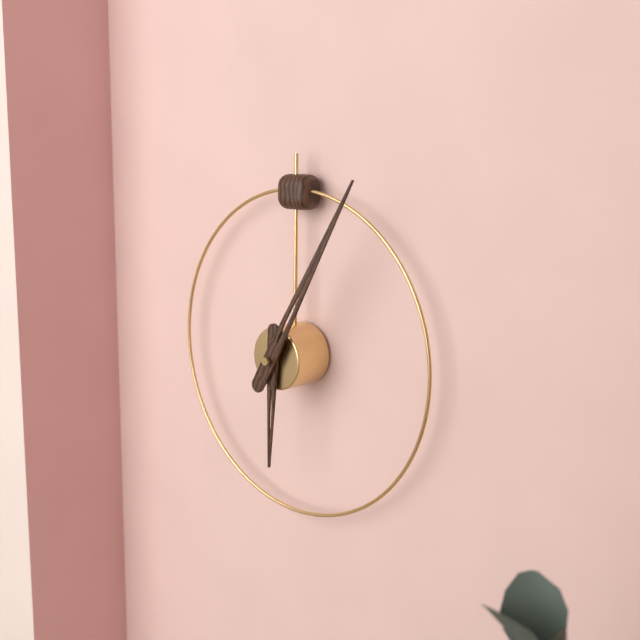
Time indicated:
{"hour": 6, "minute": 5}
